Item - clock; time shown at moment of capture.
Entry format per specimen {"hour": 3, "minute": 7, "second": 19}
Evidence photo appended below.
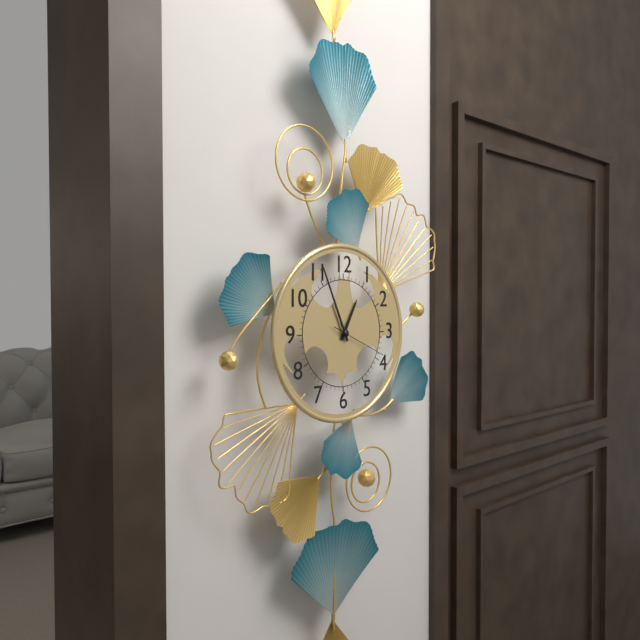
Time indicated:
{"hour": 12, "minute": 56, "second": 19}
